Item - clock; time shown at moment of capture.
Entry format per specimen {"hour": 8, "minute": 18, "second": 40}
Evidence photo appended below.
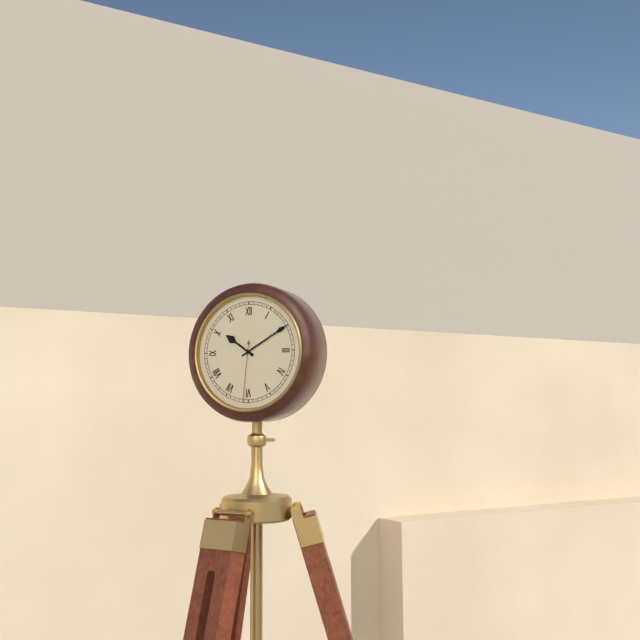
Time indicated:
{"hour": 10, "minute": 10, "second": 31}
